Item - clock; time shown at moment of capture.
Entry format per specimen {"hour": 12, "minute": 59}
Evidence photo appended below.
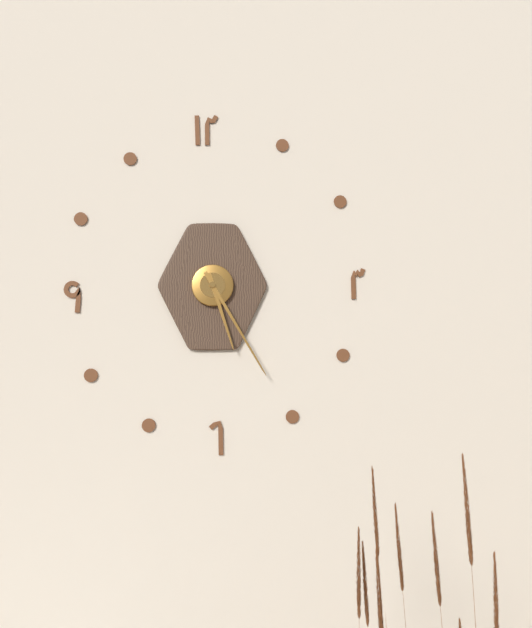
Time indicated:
{"hour": 5, "minute": 25}
